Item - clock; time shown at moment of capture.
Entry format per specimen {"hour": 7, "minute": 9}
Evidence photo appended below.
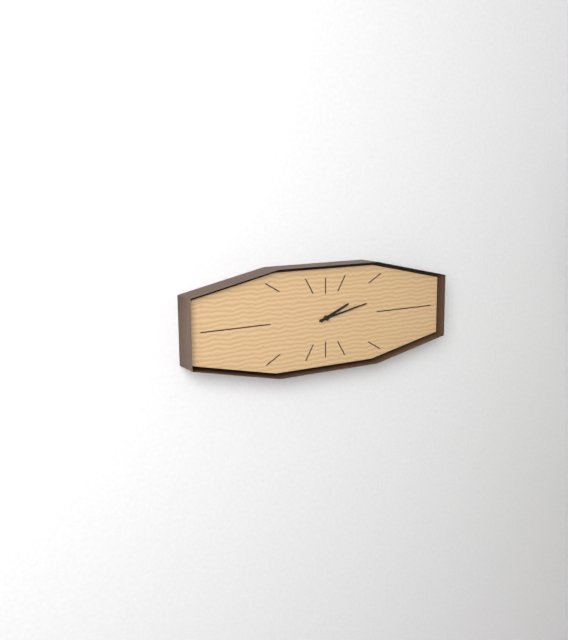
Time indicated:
{"hour": 2, "minute": 13}
